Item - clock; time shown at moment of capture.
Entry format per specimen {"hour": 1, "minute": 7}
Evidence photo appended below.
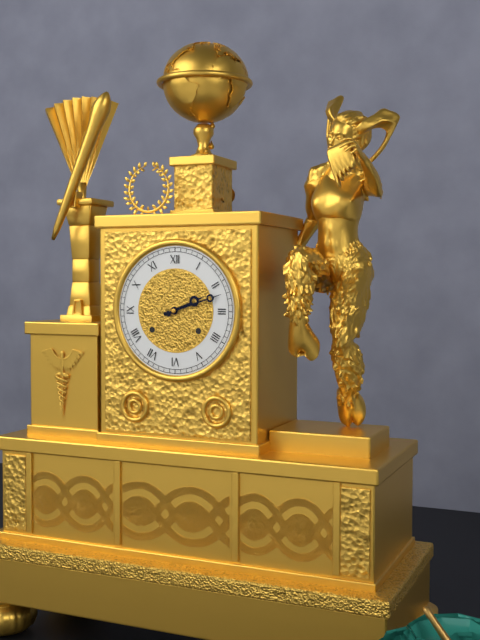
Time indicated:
{"hour": 2, "minute": 12}
